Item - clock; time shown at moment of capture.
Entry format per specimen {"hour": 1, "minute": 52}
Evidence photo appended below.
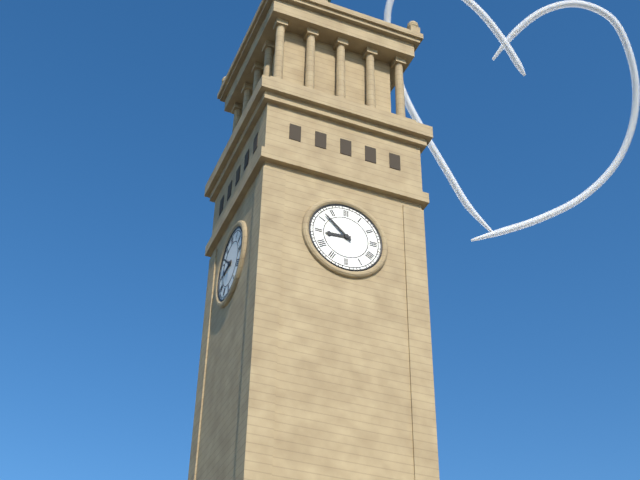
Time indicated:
{"hour": 8, "minute": 52}
